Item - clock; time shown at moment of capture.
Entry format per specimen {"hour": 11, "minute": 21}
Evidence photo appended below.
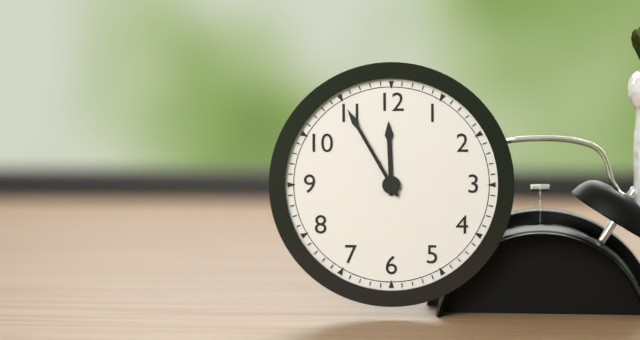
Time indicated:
{"hour": 11, "minute": 55}
